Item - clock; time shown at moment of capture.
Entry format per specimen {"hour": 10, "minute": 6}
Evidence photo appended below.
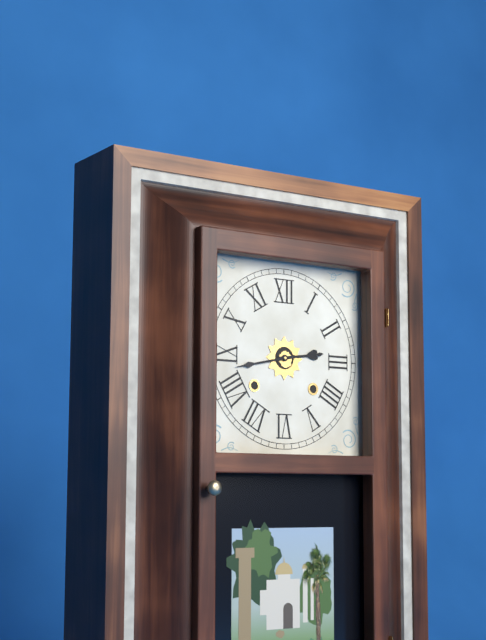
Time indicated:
{"hour": 2, "minute": 43}
